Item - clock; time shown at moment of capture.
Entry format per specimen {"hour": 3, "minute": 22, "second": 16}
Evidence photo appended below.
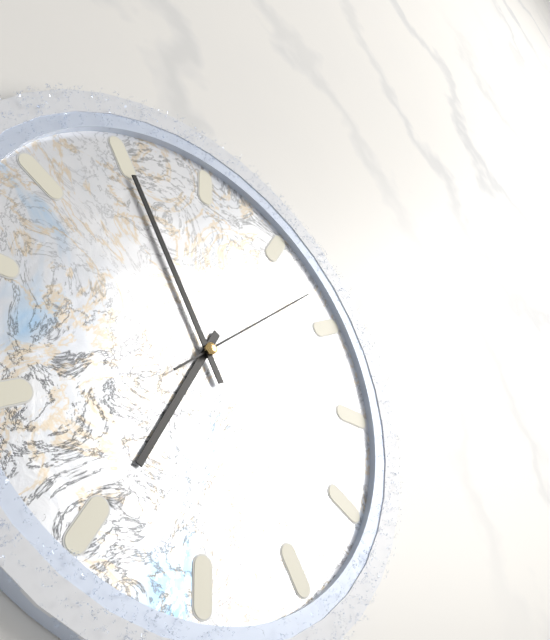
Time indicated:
{"hour": 6, "minute": 55, "second": 8}
